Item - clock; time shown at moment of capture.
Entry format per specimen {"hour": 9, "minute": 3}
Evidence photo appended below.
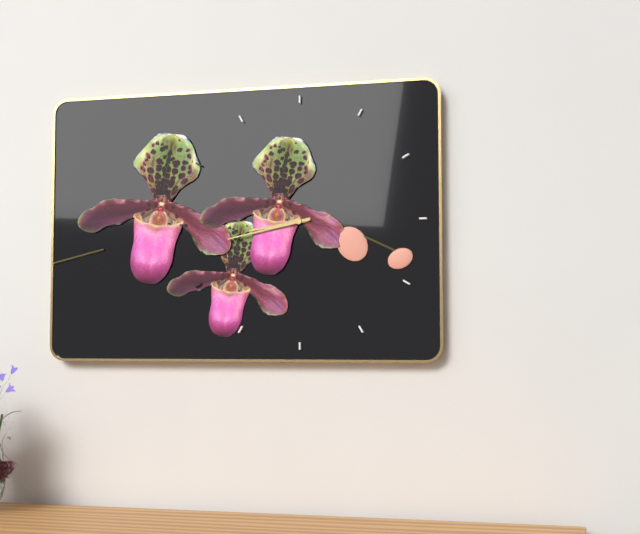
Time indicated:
{"hour": 8, "minute": 43}
